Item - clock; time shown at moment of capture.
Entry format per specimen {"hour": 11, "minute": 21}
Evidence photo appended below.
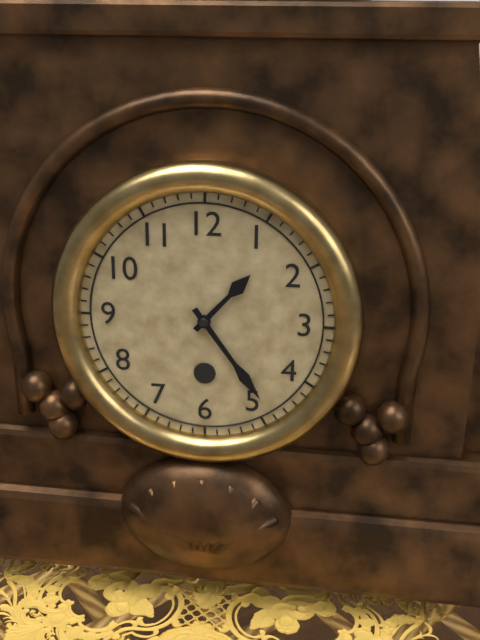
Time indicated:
{"hour": 1, "minute": 24}
